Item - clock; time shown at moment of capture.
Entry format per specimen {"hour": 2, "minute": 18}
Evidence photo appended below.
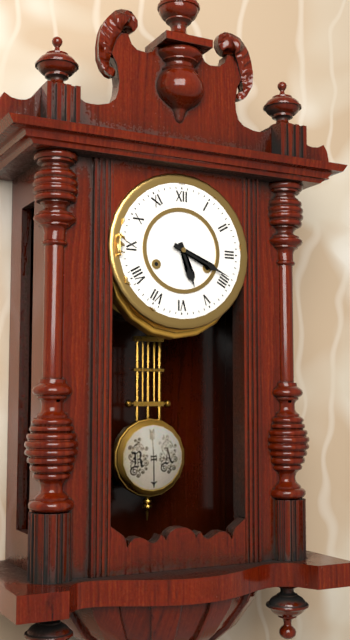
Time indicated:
{"hour": 5, "minute": 19}
